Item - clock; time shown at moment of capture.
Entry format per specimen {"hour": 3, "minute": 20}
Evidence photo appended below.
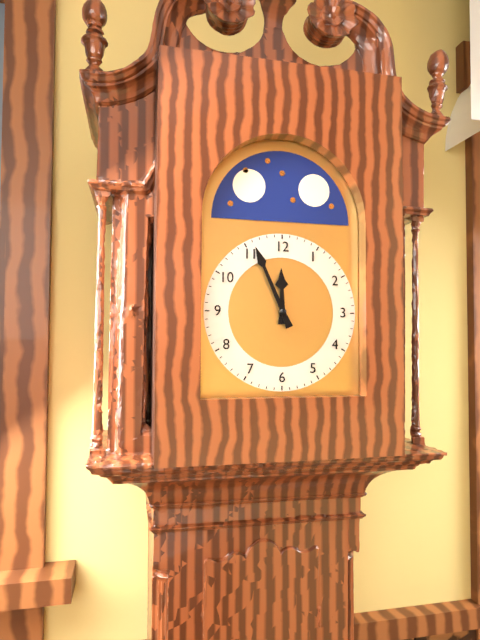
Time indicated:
{"hour": 11, "minute": 56}
